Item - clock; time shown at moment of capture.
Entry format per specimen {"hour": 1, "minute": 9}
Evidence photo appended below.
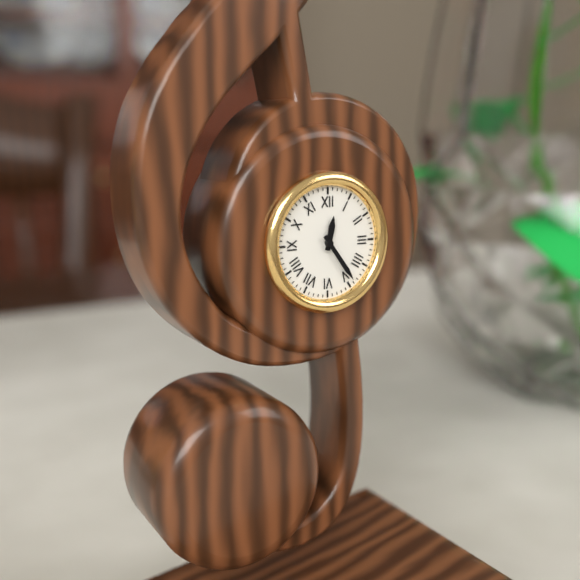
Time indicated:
{"hour": 12, "minute": 24}
